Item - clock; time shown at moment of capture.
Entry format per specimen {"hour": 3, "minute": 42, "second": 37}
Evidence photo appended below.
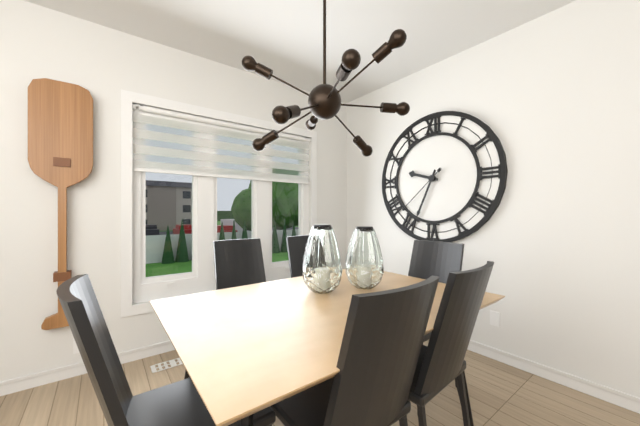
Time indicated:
{"hour": 9, "minute": 34, "second": 38}
